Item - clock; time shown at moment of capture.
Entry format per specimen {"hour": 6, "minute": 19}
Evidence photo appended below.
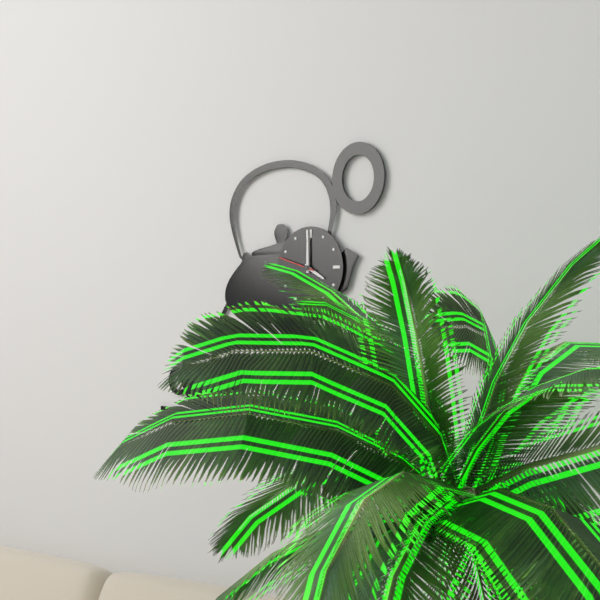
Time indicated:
{"hour": 4, "minute": 0}
